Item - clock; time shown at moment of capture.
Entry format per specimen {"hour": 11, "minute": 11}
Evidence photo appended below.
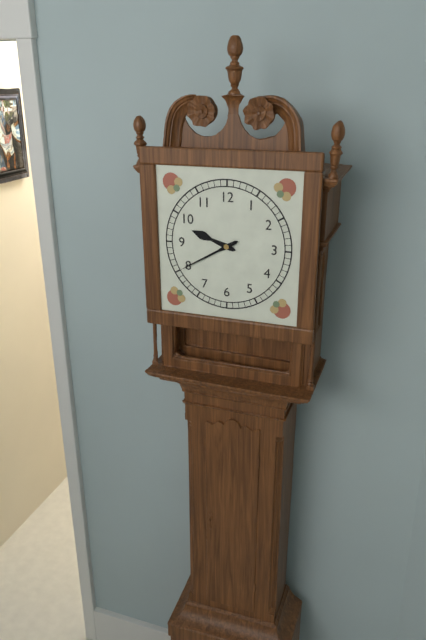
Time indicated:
{"hour": 9, "minute": 40}
